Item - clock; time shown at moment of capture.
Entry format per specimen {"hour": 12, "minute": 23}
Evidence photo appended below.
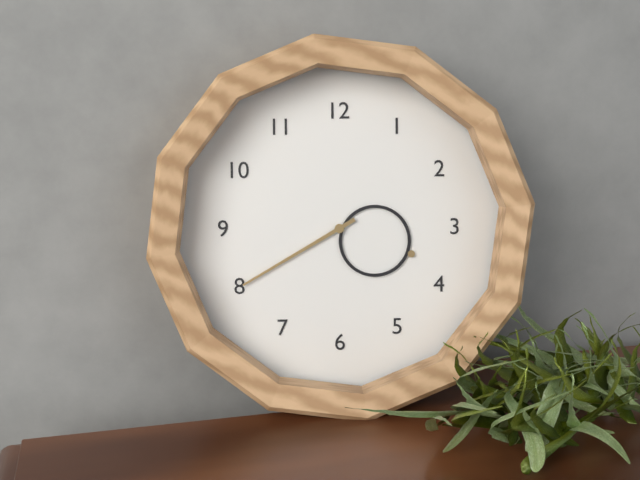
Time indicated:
{"hour": 3, "minute": 40}
